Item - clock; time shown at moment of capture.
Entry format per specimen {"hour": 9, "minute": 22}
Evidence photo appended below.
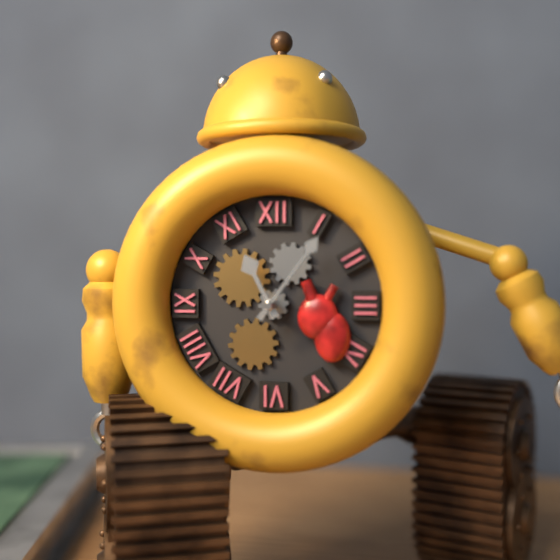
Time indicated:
{"hour": 11, "minute": 6}
